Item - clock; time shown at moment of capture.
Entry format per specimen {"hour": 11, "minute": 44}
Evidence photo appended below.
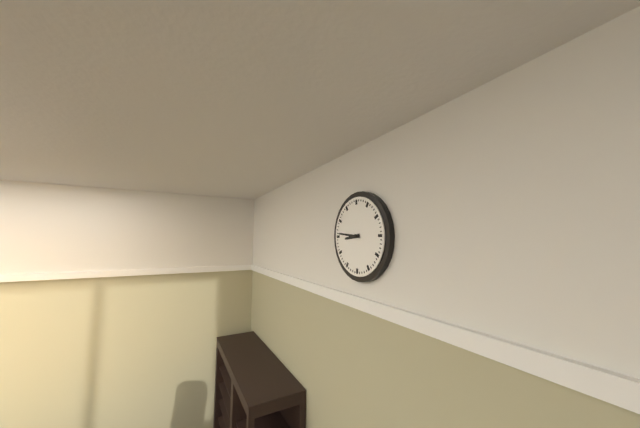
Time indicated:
{"hour": 8, "minute": 46}
